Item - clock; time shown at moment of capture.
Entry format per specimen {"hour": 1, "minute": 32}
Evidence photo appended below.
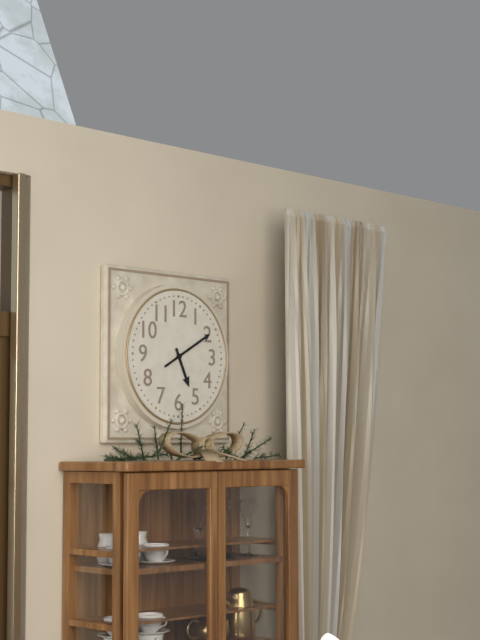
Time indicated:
{"hour": 5, "minute": 10}
